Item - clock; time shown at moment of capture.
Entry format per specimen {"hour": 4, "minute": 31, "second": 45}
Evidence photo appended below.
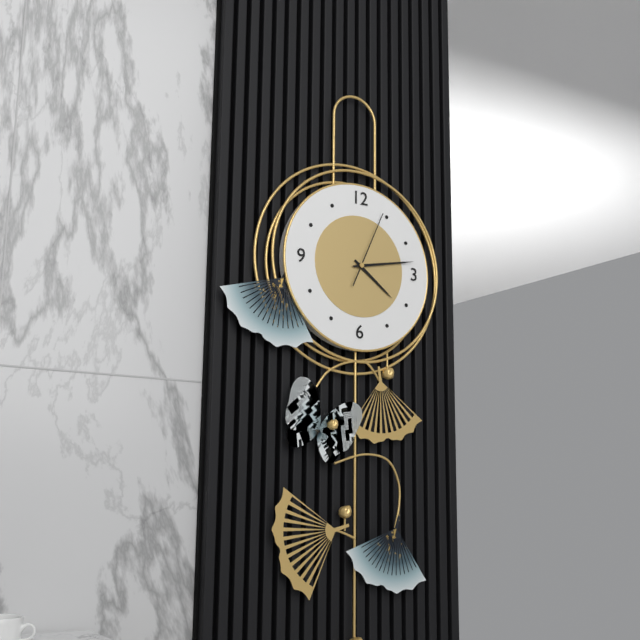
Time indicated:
{"hour": 4, "minute": 13, "second": 4}
